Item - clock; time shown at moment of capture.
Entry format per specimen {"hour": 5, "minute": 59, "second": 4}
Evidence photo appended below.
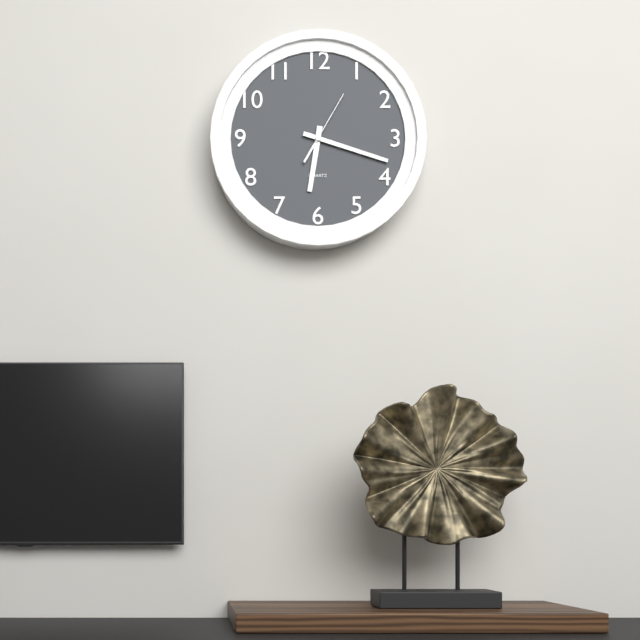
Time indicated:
{"hour": 6, "minute": 18, "second": 5}
